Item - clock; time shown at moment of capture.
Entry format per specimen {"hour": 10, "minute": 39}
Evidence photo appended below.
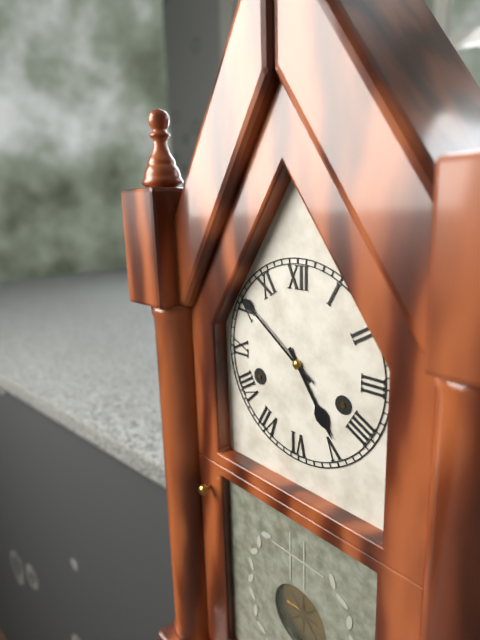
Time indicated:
{"hour": 4, "minute": 51}
